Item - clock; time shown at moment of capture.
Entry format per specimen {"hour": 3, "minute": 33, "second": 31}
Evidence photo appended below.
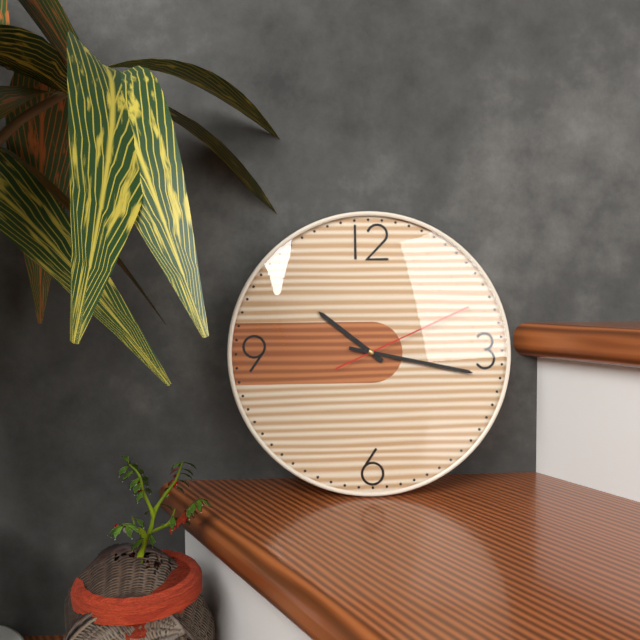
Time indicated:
{"hour": 10, "minute": 17, "second": 11}
